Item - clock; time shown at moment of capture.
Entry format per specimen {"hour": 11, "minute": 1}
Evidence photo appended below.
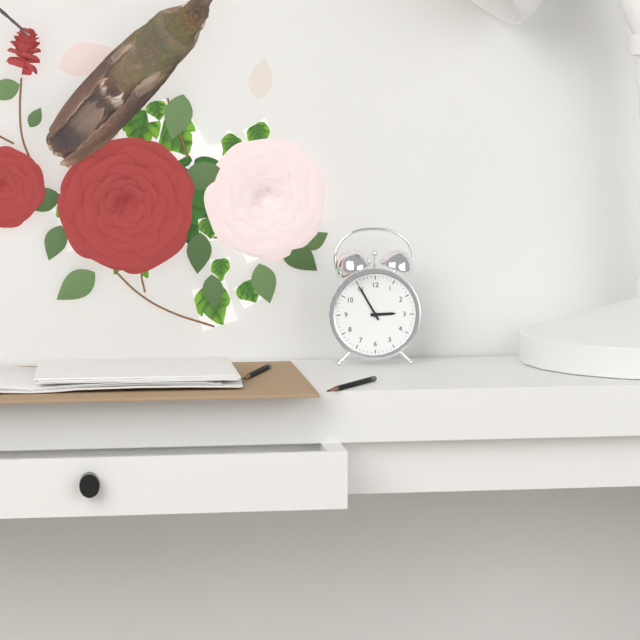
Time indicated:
{"hour": 2, "minute": 55}
